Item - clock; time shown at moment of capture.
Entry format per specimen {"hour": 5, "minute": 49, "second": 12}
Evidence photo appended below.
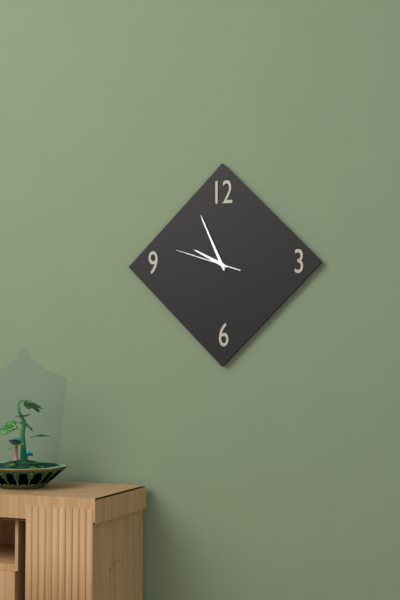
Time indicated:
{"hour": 9, "minute": 56, "second": 48}
